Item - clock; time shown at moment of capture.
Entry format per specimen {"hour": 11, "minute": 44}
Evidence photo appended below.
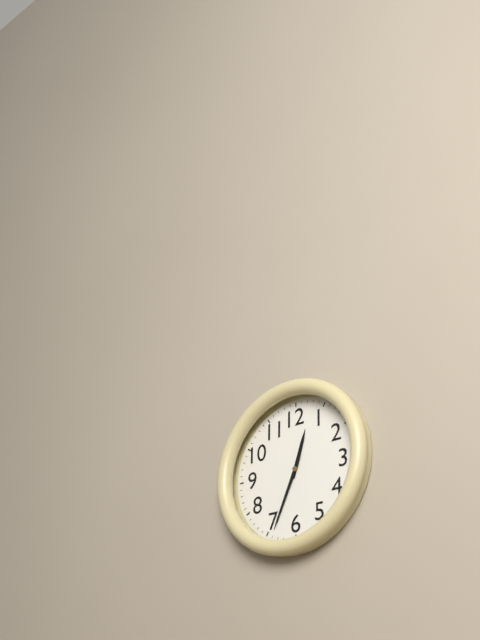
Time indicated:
{"hour": 12, "minute": 34}
